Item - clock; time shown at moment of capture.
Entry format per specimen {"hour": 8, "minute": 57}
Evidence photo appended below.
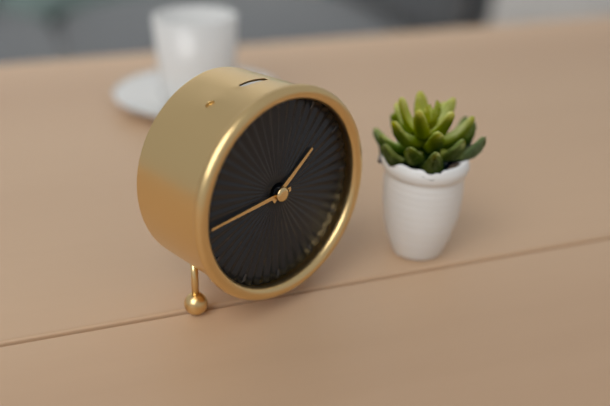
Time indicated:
{"hour": 1, "minute": 44}
